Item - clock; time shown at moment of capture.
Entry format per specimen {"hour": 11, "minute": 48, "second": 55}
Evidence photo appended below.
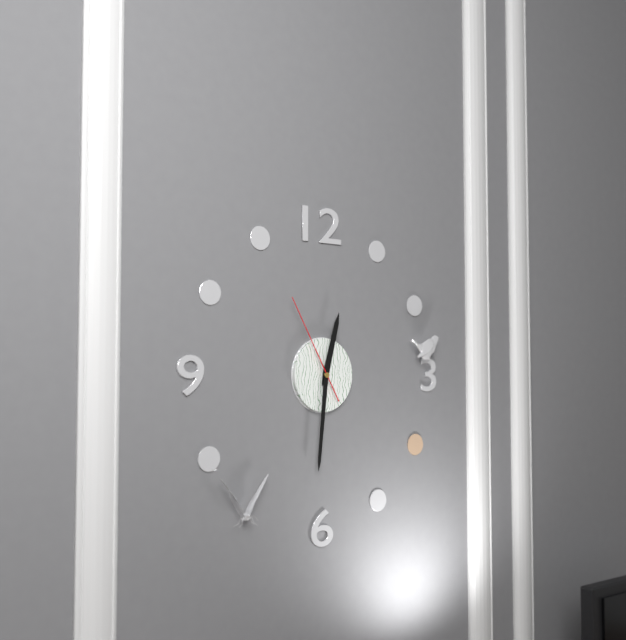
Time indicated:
{"hour": 12, "minute": 31, "second": 55}
